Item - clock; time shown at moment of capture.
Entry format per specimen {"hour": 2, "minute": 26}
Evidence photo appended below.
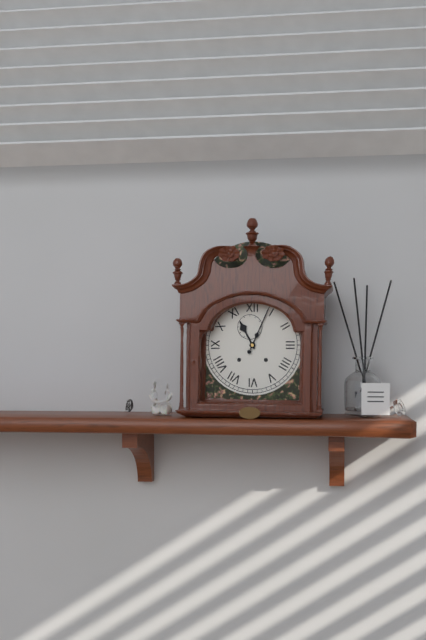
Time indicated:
{"hour": 11, "minute": 4}
